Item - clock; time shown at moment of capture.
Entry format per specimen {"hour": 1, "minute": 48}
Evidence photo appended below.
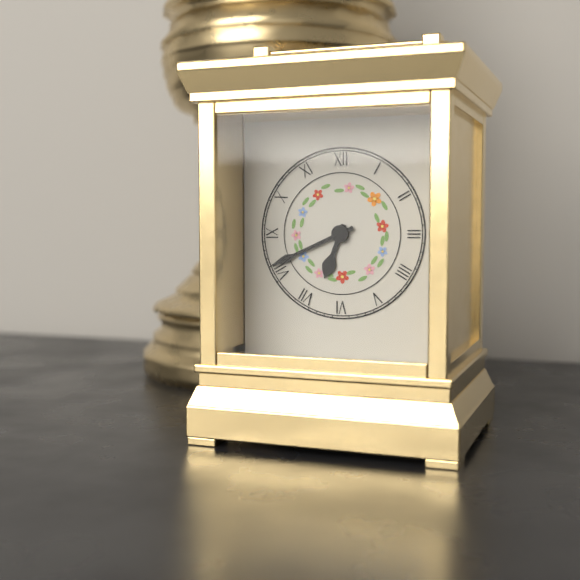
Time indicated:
{"hour": 6, "minute": 41}
